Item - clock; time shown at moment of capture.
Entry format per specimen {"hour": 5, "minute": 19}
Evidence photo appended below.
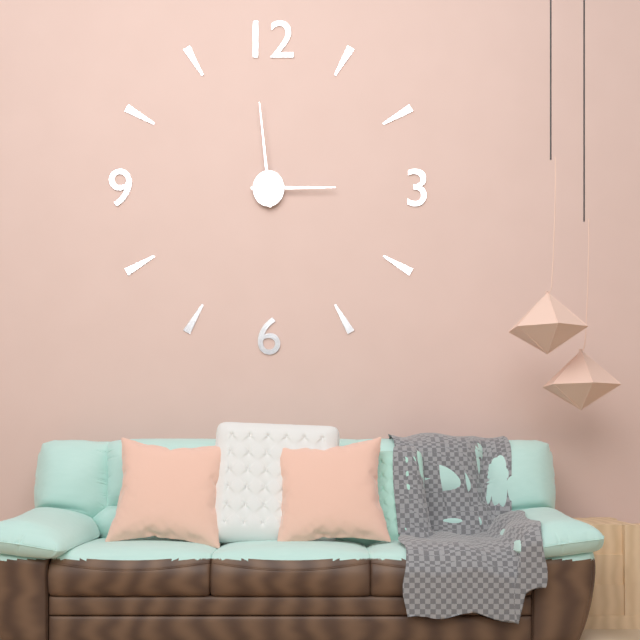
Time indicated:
{"hour": 2, "minute": 59}
